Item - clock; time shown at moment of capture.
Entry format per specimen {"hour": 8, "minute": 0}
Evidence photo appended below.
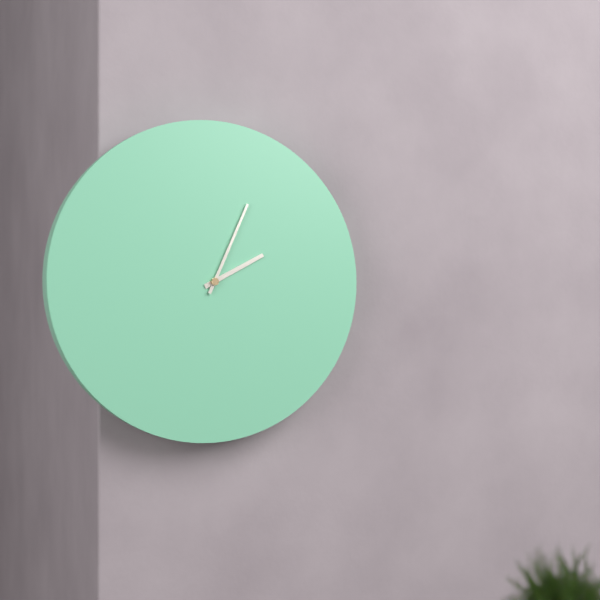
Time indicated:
{"hour": 2, "minute": 4}
